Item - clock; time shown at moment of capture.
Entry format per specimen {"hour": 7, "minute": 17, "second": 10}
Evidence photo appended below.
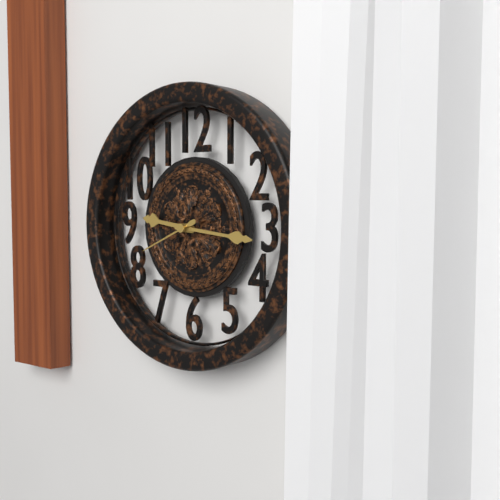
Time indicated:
{"hour": 9, "minute": 16, "second": 41}
